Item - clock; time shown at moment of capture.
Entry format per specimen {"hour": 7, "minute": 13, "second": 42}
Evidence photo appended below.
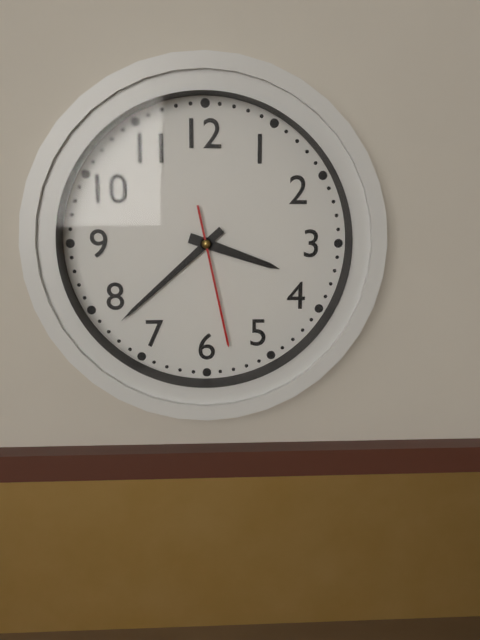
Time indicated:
{"hour": 3, "minute": 38, "second": 28}
